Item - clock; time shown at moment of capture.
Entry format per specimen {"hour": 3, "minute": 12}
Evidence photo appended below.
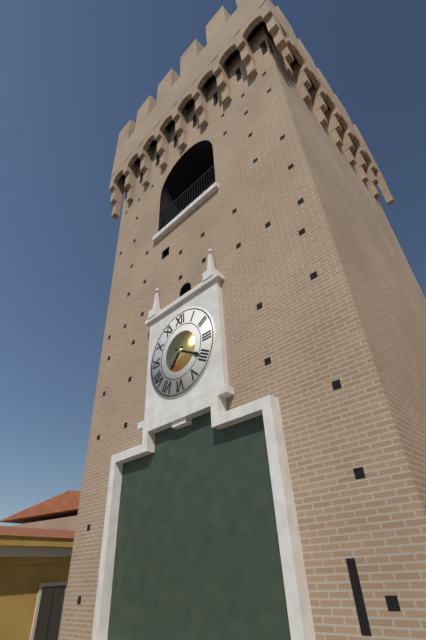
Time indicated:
{"hour": 7, "minute": 20}
